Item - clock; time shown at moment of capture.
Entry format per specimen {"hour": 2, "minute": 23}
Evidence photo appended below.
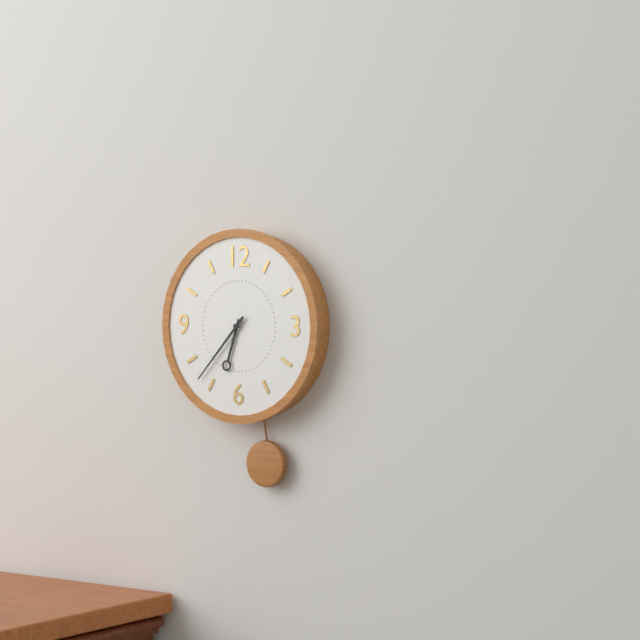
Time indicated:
{"hour": 6, "minute": 37}
